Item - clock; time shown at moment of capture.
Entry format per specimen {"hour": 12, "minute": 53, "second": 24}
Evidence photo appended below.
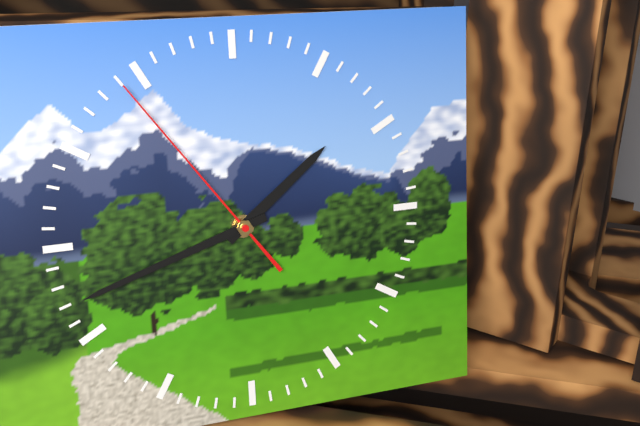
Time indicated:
{"hour": 1, "minute": 42, "second": 54}
